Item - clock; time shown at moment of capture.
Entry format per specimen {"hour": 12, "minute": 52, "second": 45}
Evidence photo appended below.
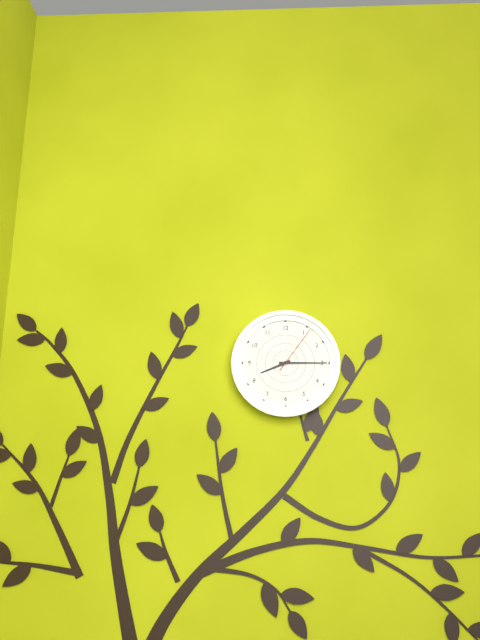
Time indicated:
{"hour": 8, "minute": 15, "second": 6}
